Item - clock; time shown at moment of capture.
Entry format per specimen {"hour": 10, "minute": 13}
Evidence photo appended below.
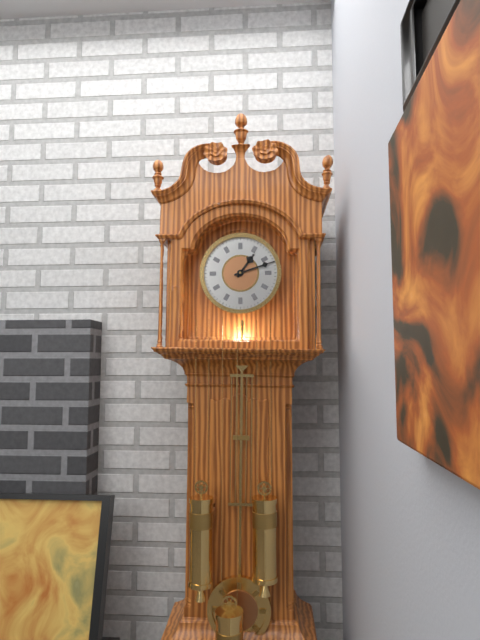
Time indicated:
{"hour": 1, "minute": 12}
